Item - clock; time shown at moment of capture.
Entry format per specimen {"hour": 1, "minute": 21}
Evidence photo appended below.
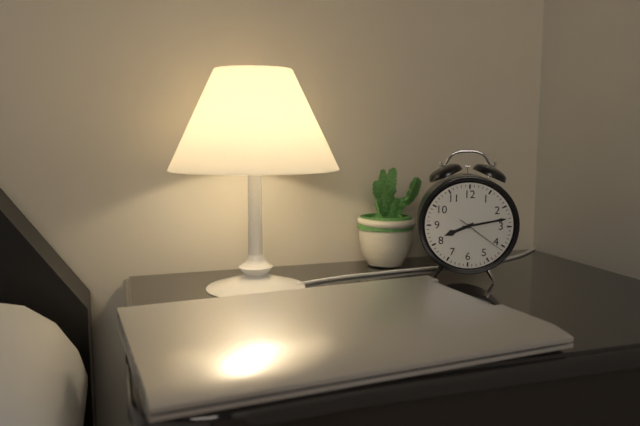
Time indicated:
{"hour": 8, "minute": 13}
